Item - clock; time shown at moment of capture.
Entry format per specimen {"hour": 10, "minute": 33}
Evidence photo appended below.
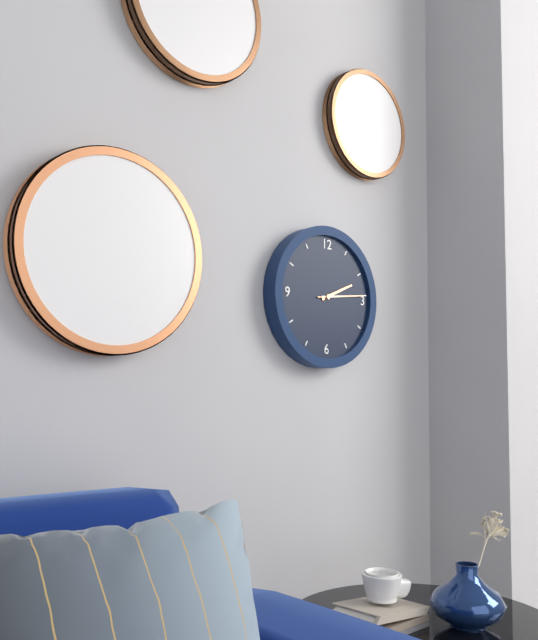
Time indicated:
{"hour": 2, "minute": 14}
